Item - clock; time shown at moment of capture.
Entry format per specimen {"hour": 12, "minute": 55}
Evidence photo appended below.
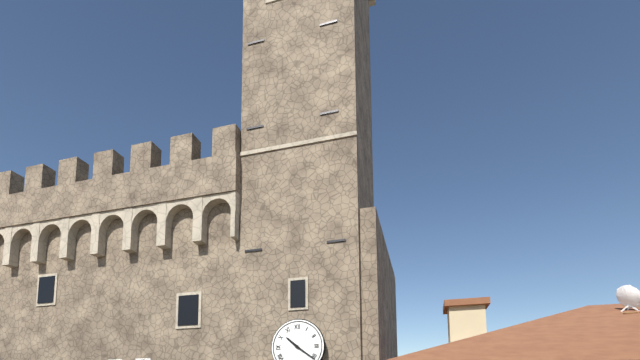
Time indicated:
{"hour": 10, "minute": 21}
